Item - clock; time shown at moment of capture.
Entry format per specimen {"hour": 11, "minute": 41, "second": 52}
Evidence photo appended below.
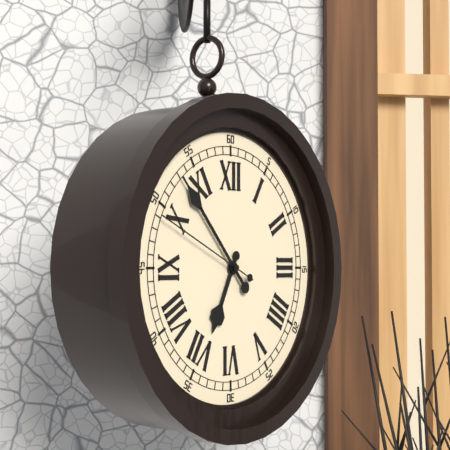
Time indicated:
{"hour": 6, "minute": 53, "second": 49}
